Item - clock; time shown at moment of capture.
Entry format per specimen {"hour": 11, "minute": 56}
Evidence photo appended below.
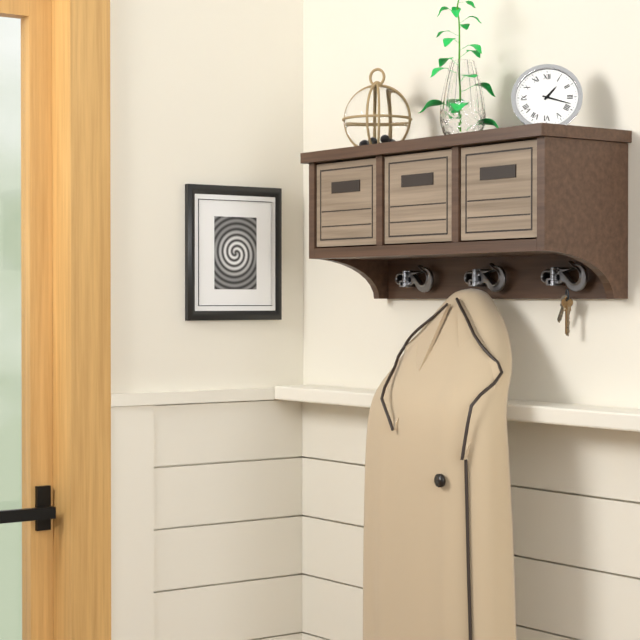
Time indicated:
{"hour": 1, "minute": 18}
